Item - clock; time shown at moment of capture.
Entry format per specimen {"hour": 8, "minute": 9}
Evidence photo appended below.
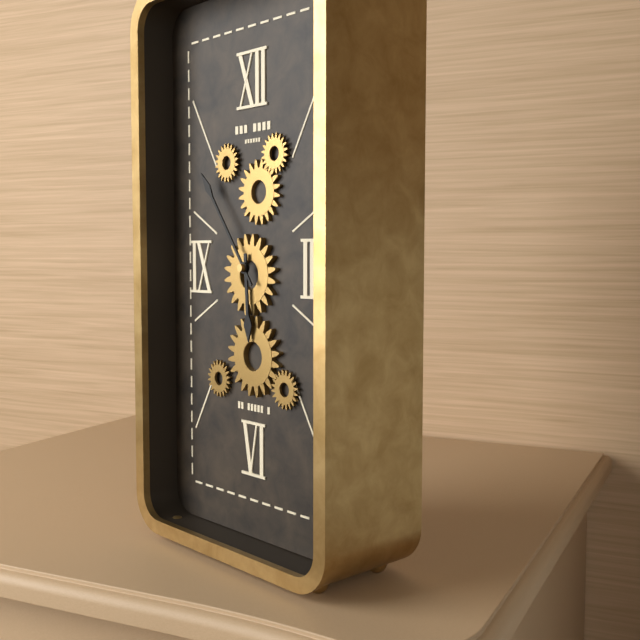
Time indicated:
{"hour": 5, "minute": 54}
